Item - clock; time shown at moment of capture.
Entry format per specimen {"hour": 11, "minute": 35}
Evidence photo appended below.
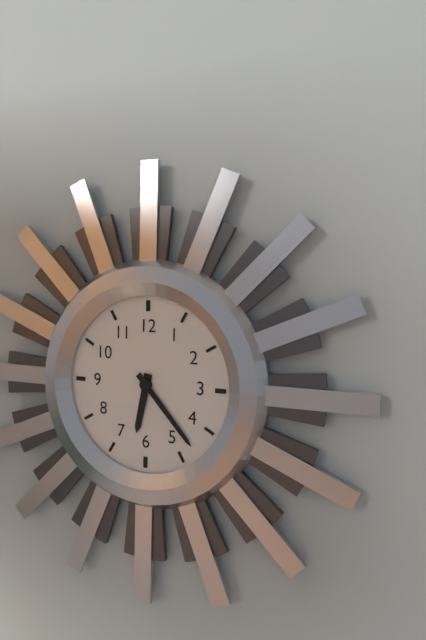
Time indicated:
{"hour": 6, "minute": 23}
